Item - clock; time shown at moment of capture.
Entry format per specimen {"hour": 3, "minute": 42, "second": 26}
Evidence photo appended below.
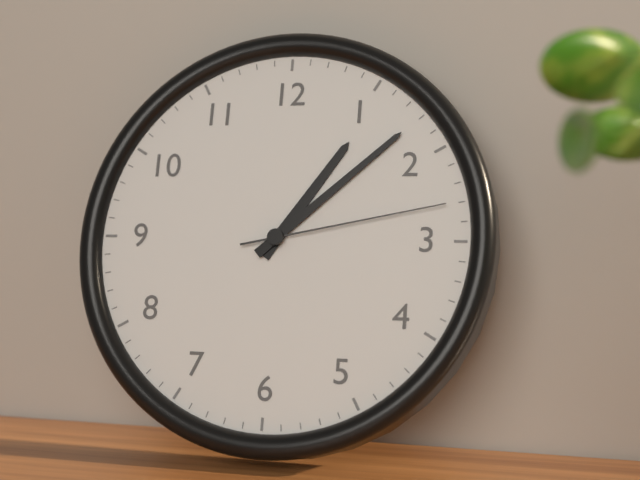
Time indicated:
{"hour": 1, "minute": 8, "second": 13}
